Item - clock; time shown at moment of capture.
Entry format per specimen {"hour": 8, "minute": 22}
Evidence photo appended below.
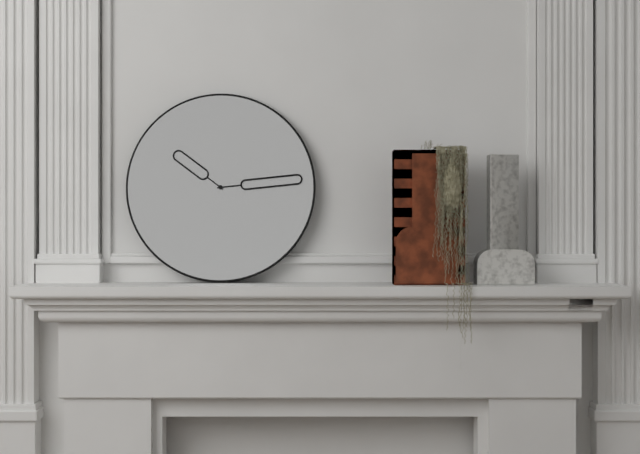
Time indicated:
{"hour": 10, "minute": 14}
